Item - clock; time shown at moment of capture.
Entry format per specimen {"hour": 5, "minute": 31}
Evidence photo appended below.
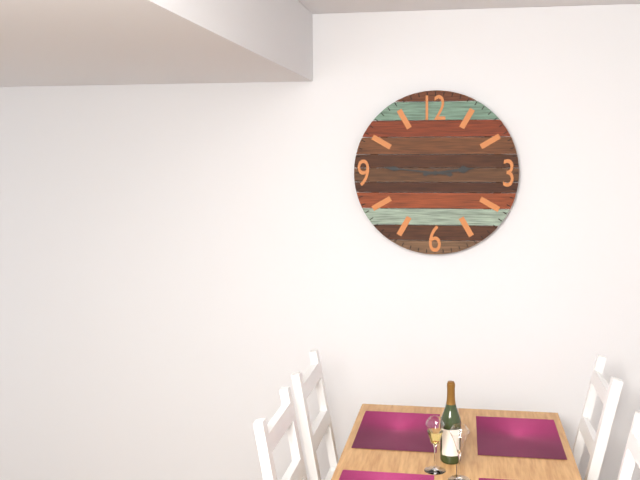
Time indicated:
{"hour": 2, "minute": 46}
